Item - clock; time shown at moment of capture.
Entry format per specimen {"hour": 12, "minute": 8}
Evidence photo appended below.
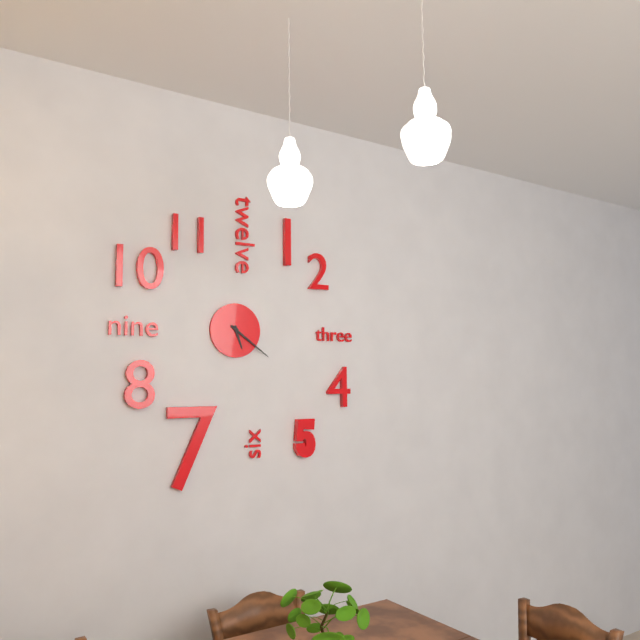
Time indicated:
{"hour": 5, "minute": 21}
